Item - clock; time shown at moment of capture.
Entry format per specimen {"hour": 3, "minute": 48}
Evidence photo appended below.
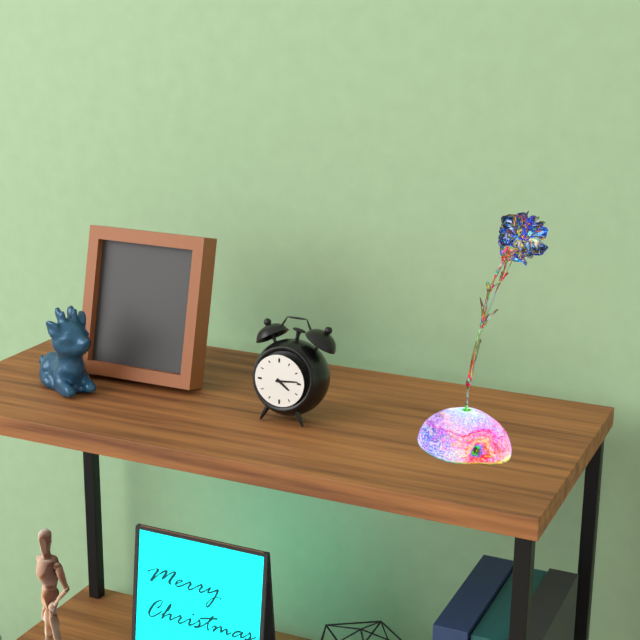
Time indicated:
{"hour": 4, "minute": 14}
